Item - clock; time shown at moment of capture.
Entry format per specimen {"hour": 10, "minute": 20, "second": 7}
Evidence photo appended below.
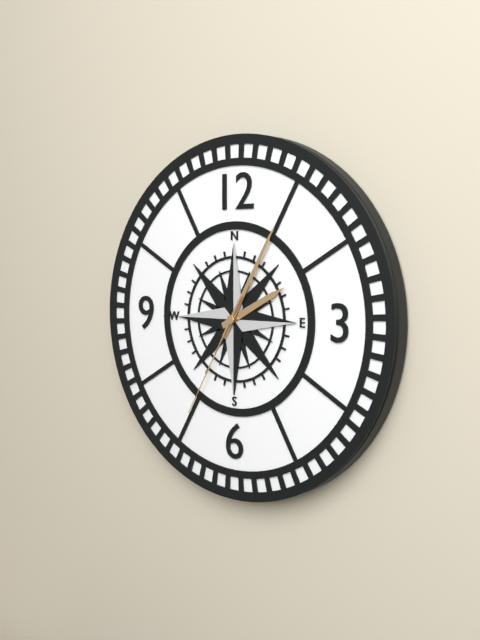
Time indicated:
{"hour": 2, "minute": 5, "second": 35}
